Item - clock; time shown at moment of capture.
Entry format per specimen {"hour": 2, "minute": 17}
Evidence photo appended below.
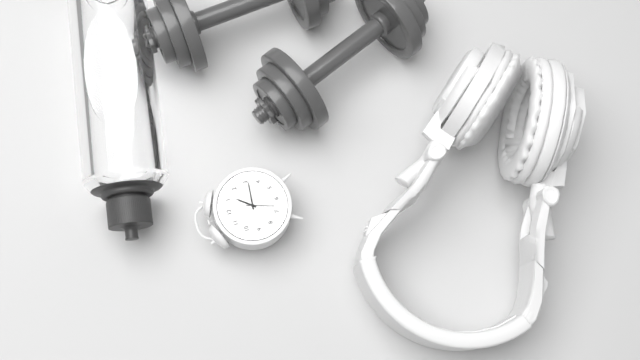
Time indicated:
{"hour": 1, "minute": 16}
